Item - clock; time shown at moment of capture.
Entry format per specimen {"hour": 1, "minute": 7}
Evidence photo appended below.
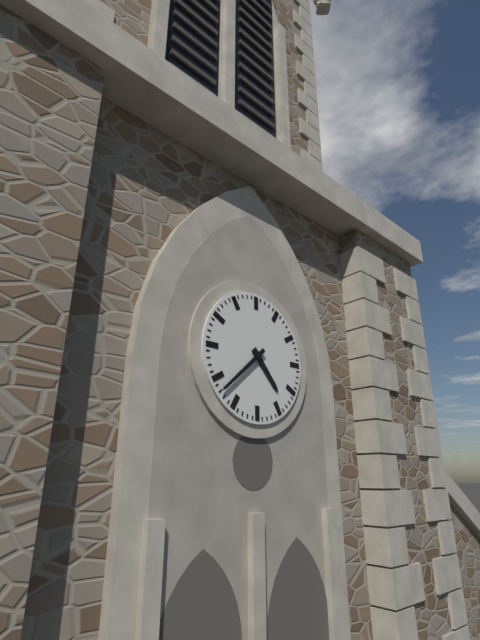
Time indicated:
{"hour": 4, "minute": 38}
